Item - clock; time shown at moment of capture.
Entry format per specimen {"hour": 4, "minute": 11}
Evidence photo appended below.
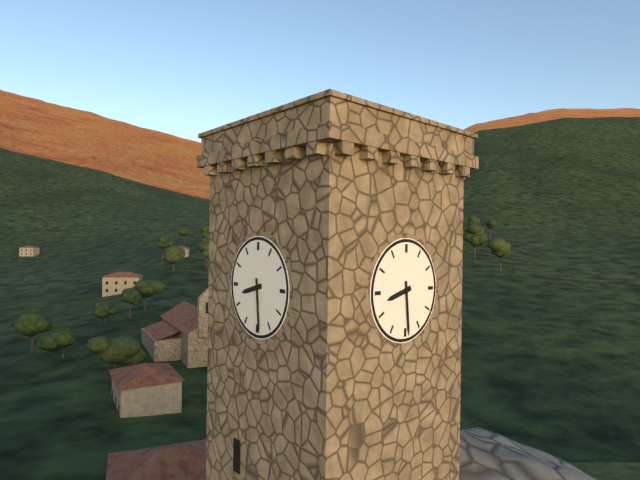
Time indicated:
{"hour": 8, "minute": 29}
